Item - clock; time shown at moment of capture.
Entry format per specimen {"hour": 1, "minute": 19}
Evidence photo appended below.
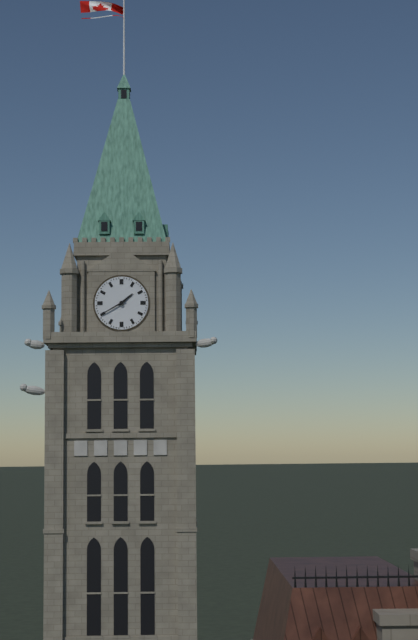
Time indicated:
{"hour": 1, "minute": 40}
